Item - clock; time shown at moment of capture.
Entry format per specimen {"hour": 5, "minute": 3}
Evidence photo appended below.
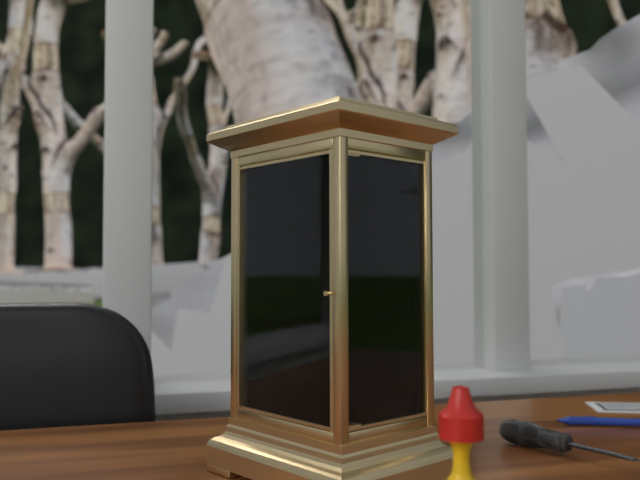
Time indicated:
{"hour": 8, "minute": 40}
